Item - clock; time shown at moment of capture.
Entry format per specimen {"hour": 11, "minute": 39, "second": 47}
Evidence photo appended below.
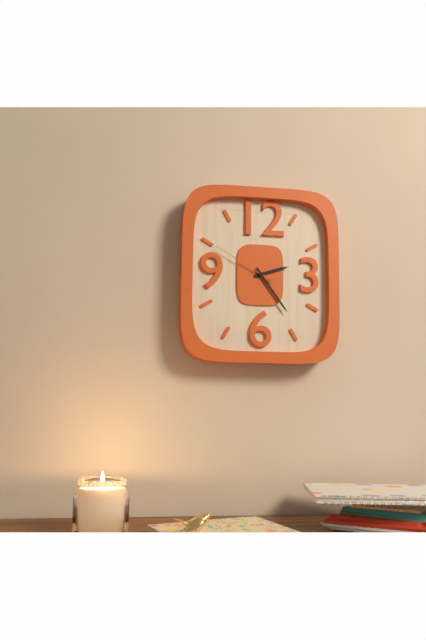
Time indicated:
{"hour": 2, "minute": 24, "second": 50}
